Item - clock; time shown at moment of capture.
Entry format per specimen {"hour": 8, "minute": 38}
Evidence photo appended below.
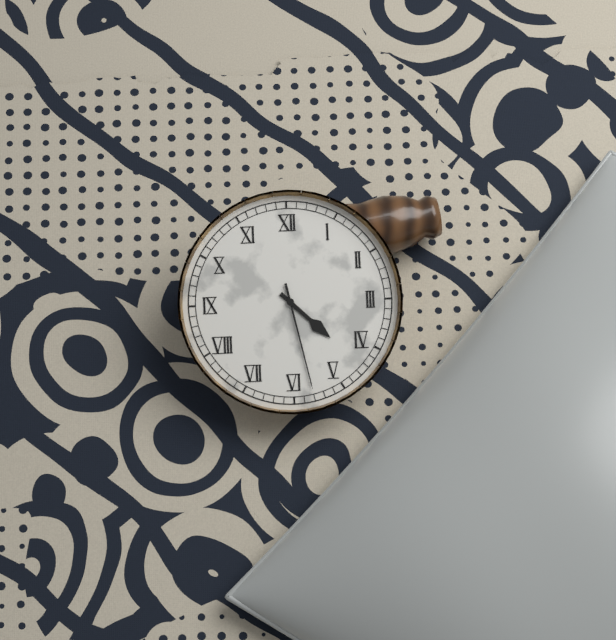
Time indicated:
{"hour": 4, "minute": 28}
